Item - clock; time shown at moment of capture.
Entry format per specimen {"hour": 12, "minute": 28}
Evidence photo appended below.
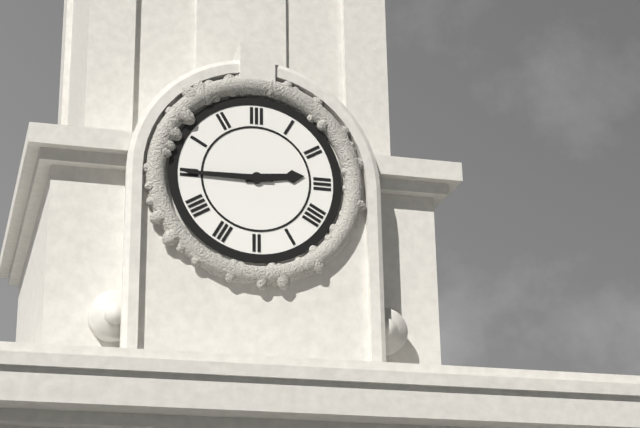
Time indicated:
{"hour": 2, "minute": 45}
